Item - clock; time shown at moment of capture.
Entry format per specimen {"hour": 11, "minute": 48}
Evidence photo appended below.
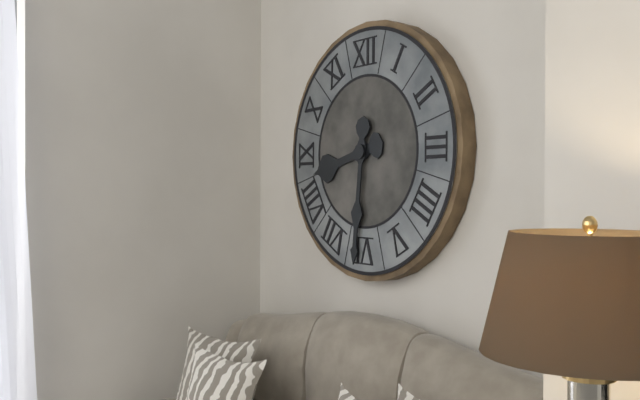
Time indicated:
{"hour": 8, "minute": 31}
